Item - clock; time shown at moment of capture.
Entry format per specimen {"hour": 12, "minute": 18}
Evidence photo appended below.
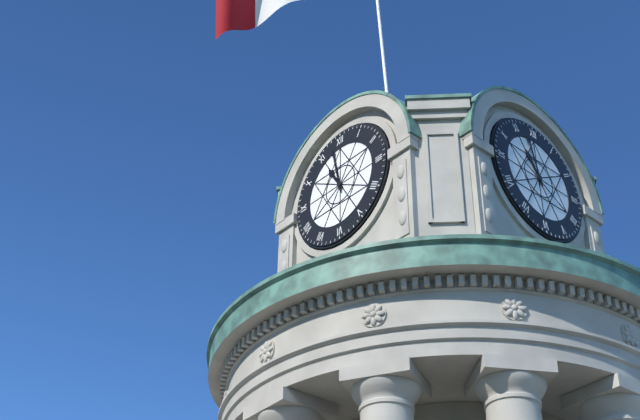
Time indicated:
{"hour": 10, "minute": 58}
